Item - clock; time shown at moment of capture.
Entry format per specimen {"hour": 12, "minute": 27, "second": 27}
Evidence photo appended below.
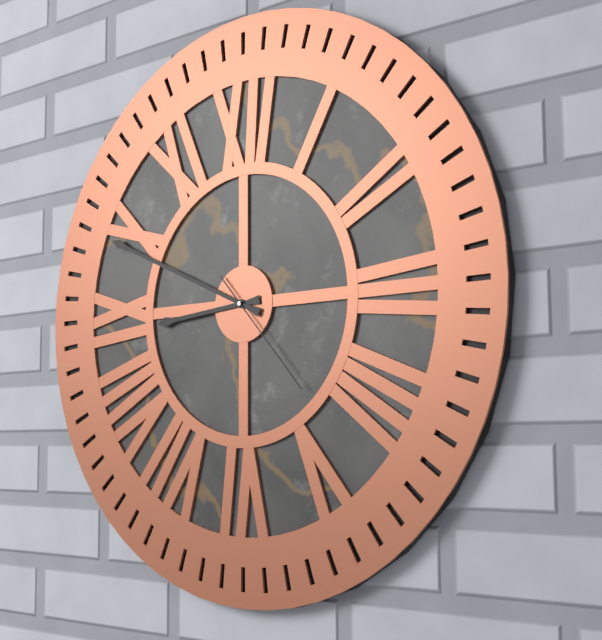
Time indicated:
{"hour": 8, "minute": 49, "second": 23}
